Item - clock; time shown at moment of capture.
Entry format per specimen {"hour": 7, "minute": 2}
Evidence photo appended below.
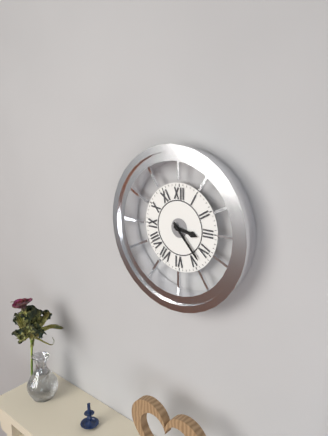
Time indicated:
{"hour": 3, "minute": 23}
